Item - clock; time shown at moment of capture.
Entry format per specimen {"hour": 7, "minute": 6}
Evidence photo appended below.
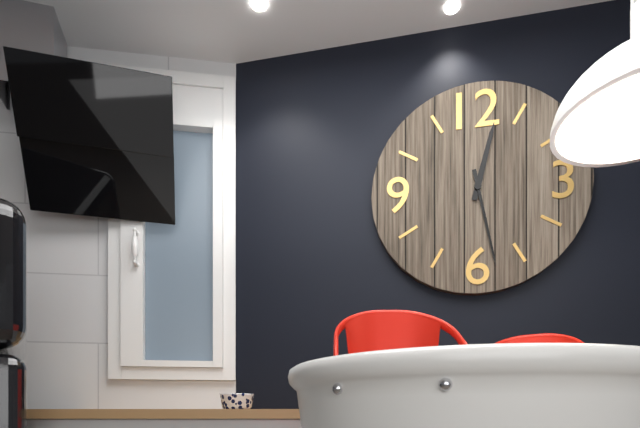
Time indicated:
{"hour": 12, "minute": 28}
